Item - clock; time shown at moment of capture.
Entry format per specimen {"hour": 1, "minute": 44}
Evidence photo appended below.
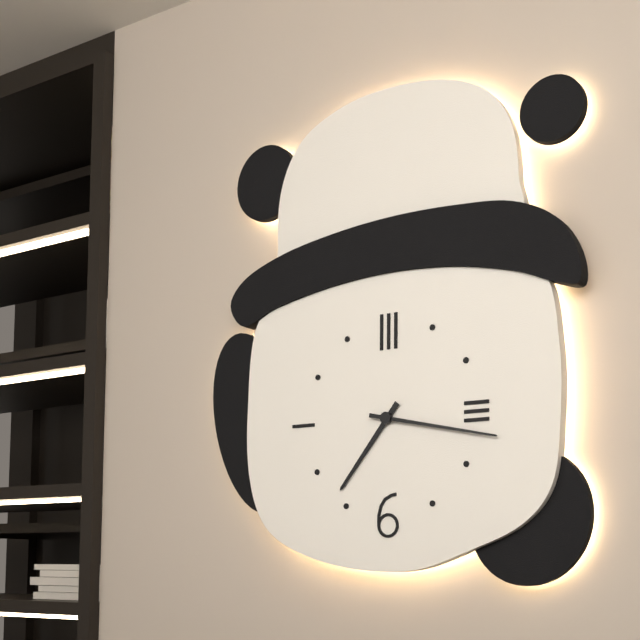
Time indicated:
{"hour": 7, "minute": 17}
